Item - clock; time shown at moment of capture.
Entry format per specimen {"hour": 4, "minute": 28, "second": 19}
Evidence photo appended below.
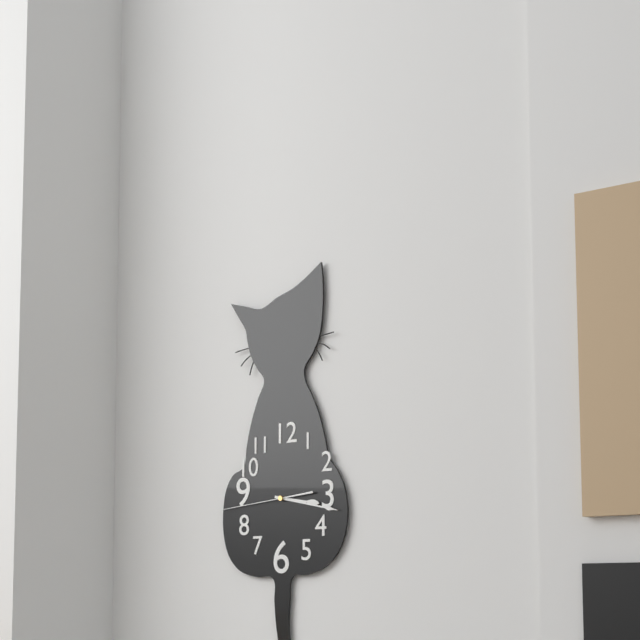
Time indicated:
{"hour": 3, "minute": 17, "second": 44}
